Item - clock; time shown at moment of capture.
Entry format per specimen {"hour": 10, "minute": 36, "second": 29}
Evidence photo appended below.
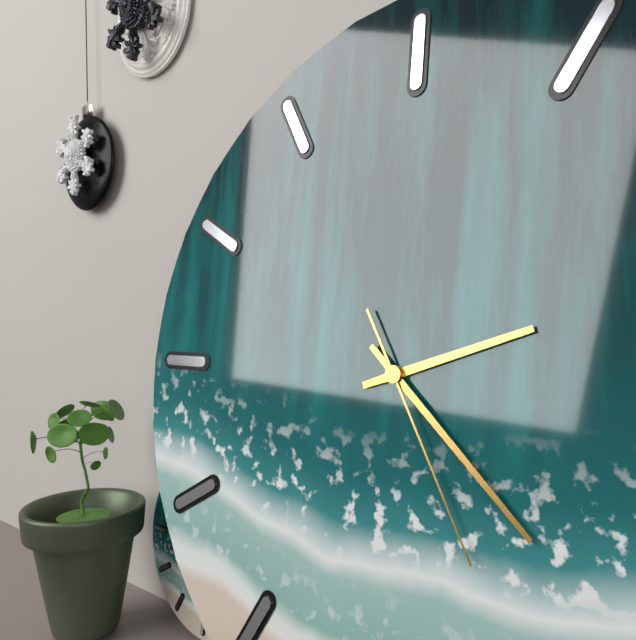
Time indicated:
{"hour": 2, "minute": 22, "second": 25}
